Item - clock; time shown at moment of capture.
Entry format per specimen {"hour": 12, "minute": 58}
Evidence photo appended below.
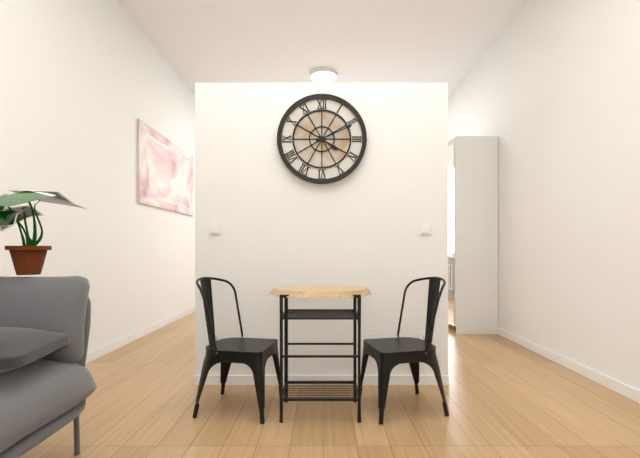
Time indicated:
{"hour": 4, "minute": 11}
